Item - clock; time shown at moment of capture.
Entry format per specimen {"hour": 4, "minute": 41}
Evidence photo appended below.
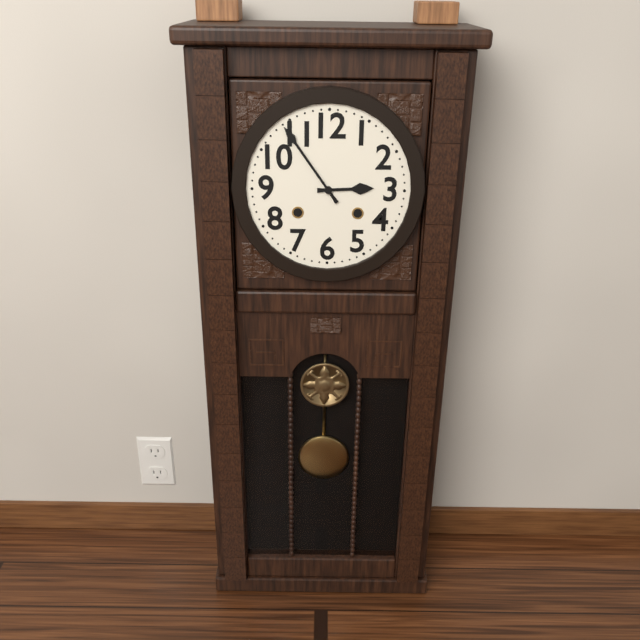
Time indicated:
{"hour": 2, "minute": 54}
